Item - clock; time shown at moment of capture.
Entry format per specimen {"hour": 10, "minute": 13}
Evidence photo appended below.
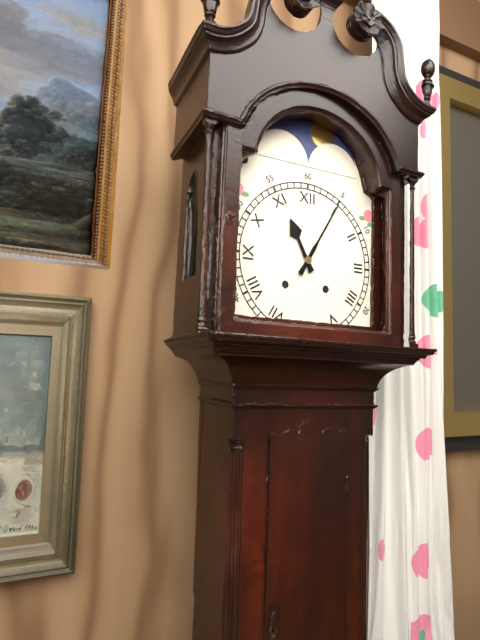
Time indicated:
{"hour": 11, "minute": 5}
